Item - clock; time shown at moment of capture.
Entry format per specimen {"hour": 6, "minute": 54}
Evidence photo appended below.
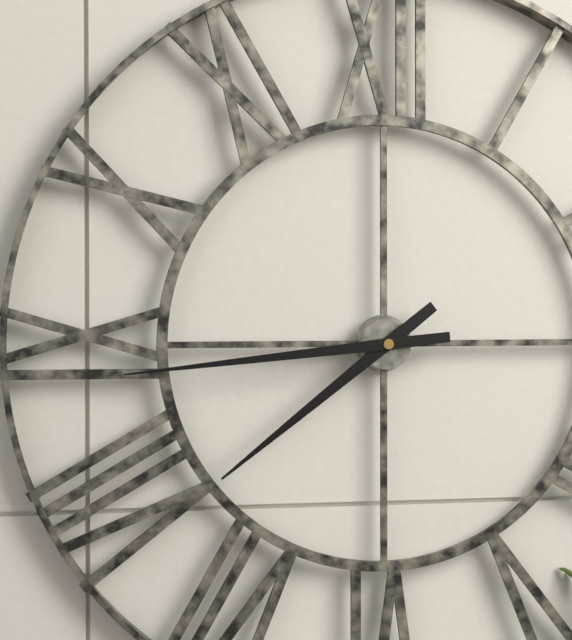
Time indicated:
{"hour": 7, "minute": 44}
